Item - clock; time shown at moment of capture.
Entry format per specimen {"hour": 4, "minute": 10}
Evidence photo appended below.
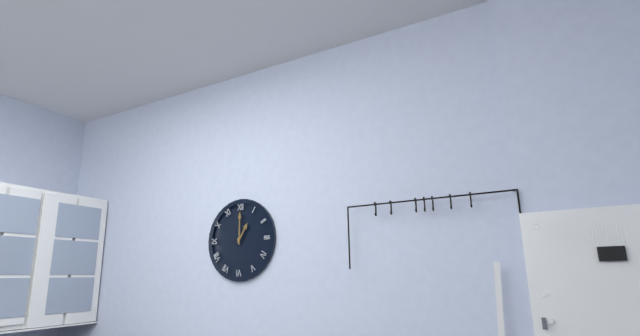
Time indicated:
{"hour": 1, "minute": 0}
